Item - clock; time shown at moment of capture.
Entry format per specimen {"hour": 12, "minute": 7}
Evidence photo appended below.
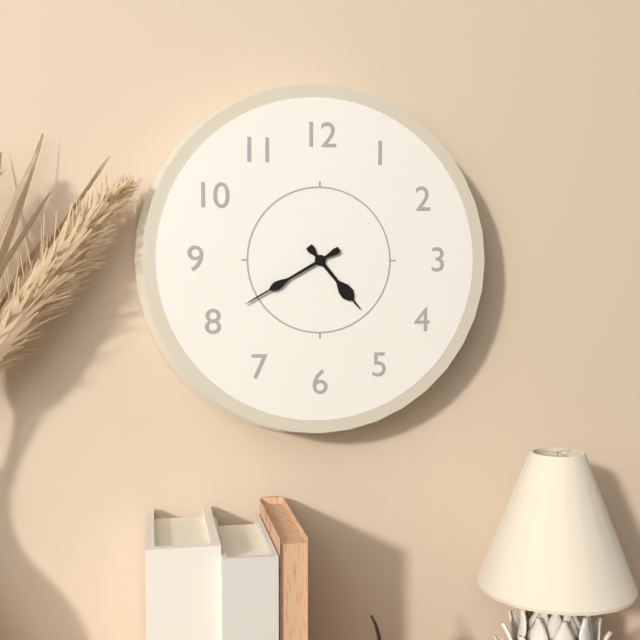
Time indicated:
{"hour": 4, "minute": 40}
